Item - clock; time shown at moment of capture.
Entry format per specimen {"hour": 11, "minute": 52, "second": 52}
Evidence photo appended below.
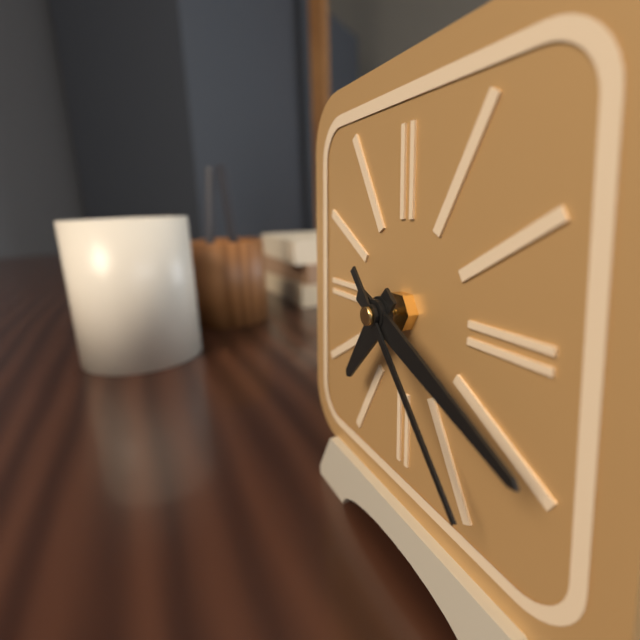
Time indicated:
{"hour": 7, "minute": 19, "second": 23}
